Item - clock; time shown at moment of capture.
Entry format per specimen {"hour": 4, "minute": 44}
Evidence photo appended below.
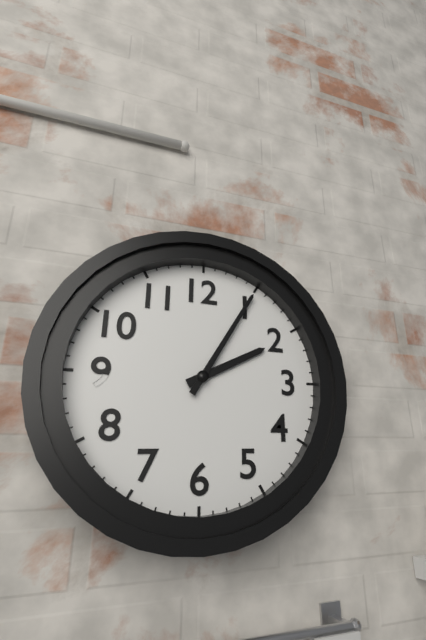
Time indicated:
{"hour": 2, "minute": 5}
